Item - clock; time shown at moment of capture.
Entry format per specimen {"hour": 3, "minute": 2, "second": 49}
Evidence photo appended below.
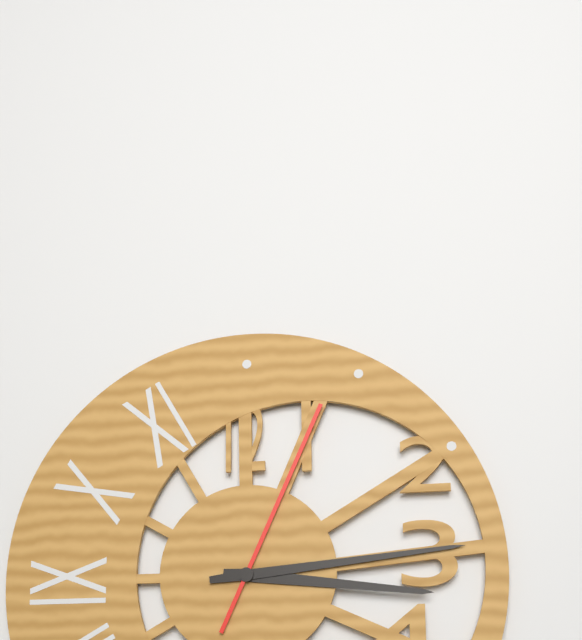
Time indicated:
{"hour": 3, "minute": 14, "second": 4}
